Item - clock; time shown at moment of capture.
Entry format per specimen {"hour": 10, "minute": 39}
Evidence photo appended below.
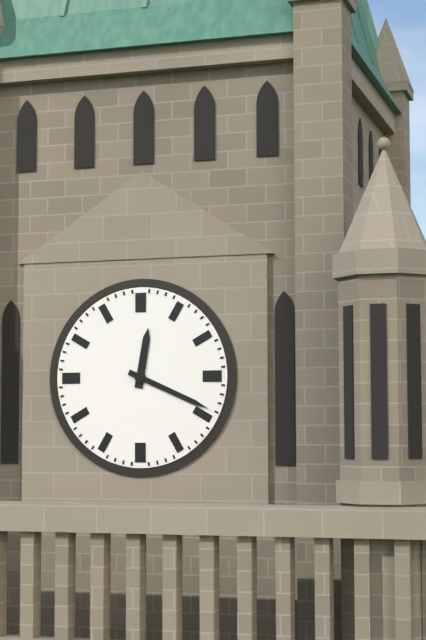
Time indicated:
{"hour": 12, "minute": 19}
